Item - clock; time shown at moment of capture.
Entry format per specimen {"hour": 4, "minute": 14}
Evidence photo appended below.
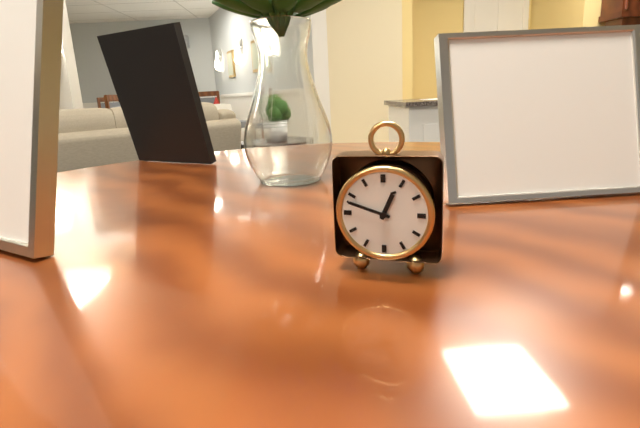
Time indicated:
{"hour": 12, "minute": 48}
